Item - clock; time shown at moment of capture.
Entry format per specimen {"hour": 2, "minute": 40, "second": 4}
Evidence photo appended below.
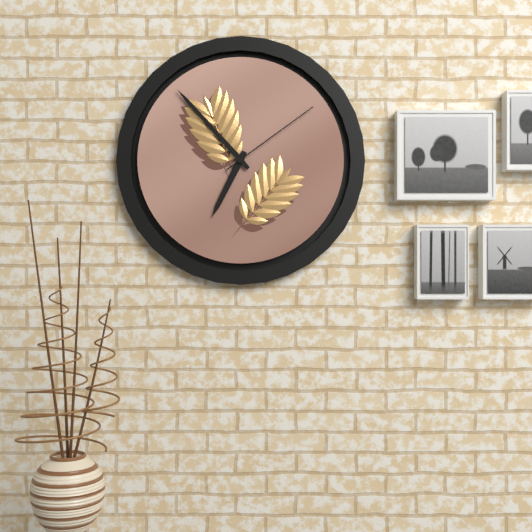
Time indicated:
{"hour": 6, "minute": 53, "second": 9}
